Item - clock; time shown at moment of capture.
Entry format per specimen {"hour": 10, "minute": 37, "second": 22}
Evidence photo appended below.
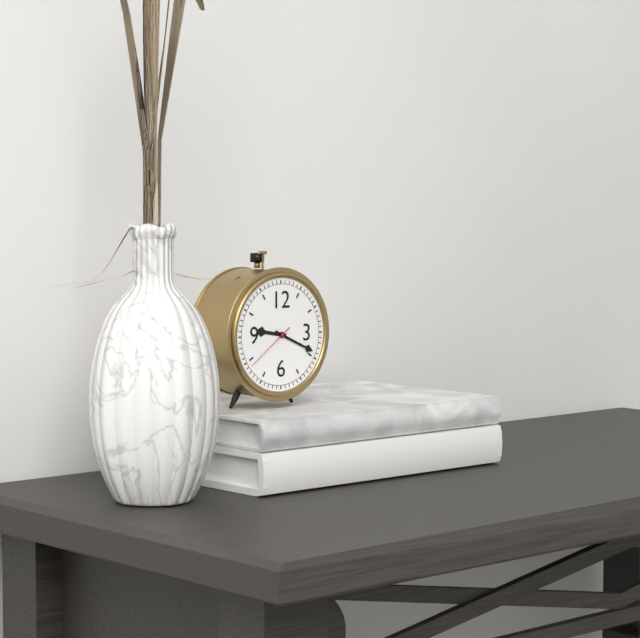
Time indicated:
{"hour": 9, "minute": 19, "second": 39}
